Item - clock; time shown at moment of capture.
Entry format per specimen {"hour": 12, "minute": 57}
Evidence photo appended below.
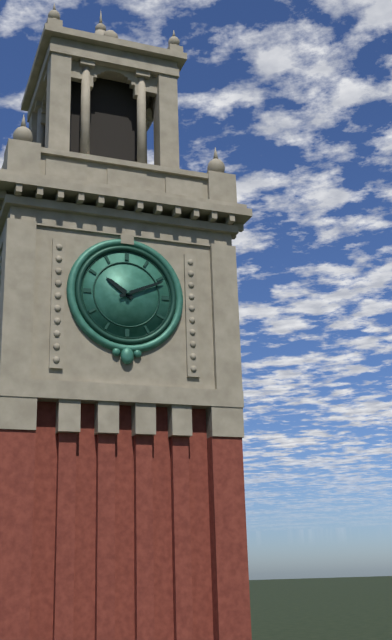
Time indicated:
{"hour": 10, "minute": 11}
